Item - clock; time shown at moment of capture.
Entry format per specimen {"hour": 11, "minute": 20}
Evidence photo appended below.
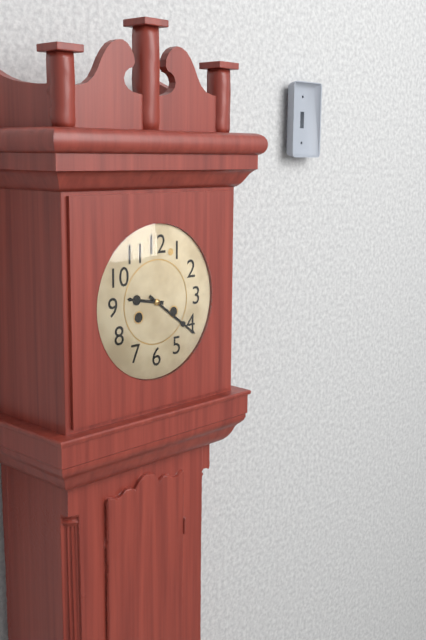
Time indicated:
{"hour": 9, "minute": 21}
